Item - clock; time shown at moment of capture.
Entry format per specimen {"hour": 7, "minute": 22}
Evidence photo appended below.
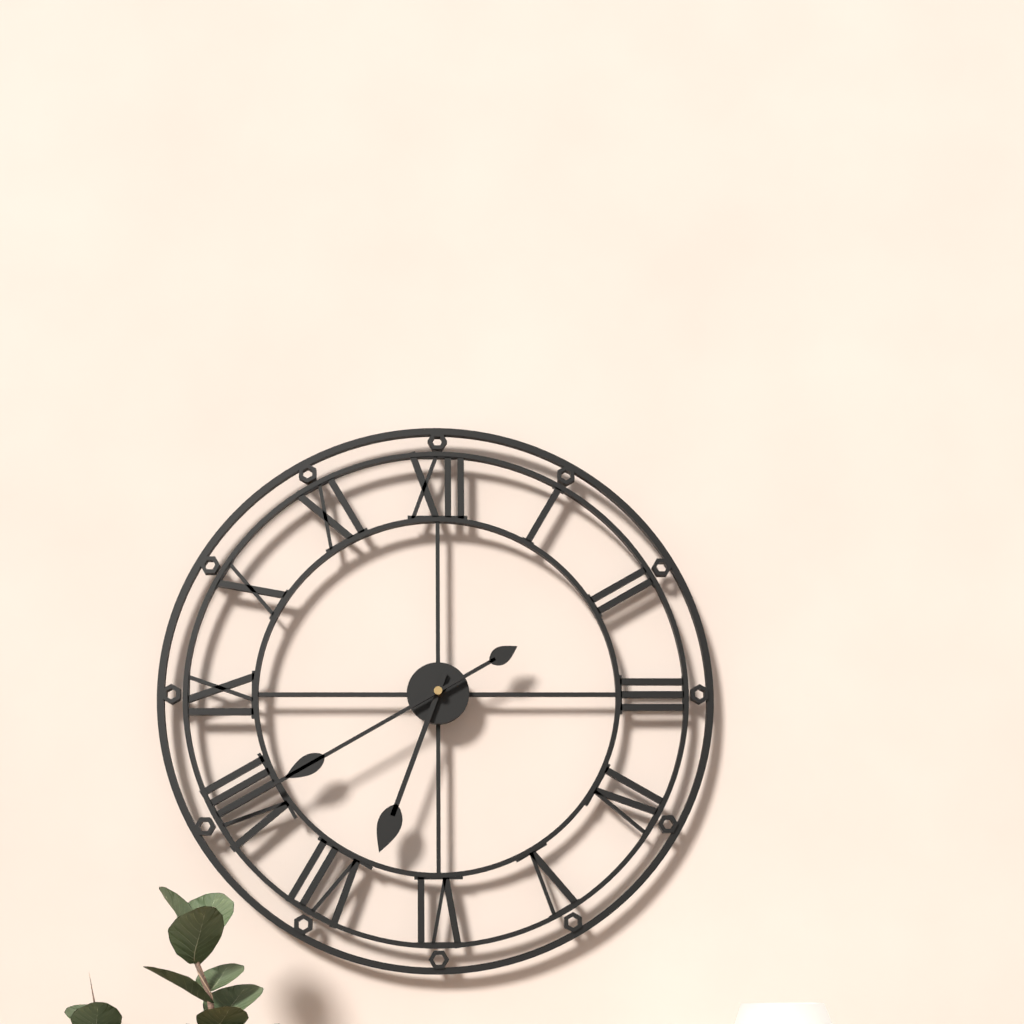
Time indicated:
{"hour": 6, "minute": 40}
